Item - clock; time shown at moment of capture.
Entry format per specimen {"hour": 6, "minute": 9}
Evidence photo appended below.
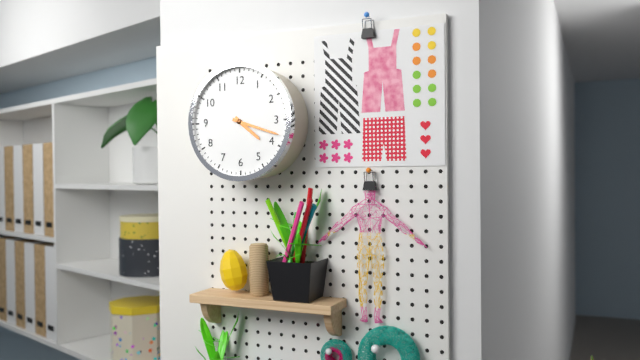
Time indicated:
{"hour": 4, "minute": 18}
